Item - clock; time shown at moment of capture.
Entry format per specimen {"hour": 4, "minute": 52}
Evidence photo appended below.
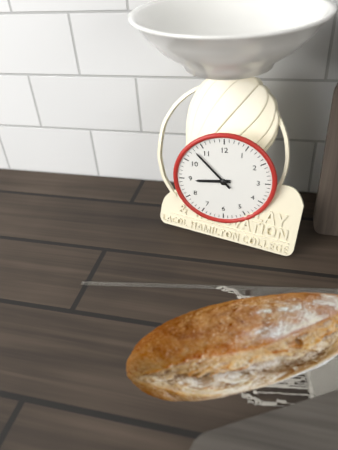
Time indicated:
{"hour": 8, "minute": 53}
